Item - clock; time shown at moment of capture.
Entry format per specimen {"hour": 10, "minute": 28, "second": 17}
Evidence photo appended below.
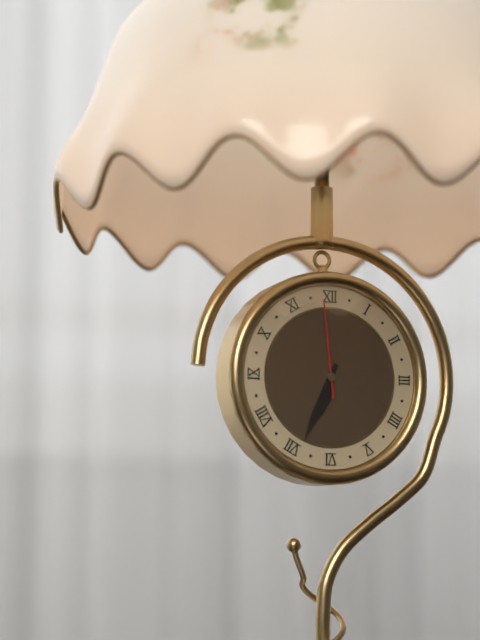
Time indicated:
{"hour": 6, "minute": 34, "second": 59}
